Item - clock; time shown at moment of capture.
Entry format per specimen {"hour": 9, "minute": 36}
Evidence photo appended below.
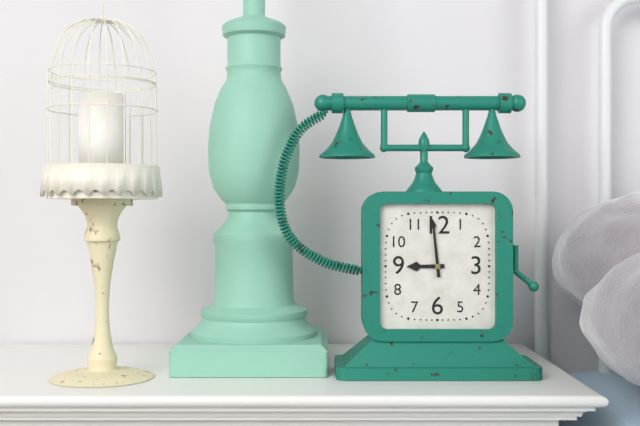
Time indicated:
{"hour": 8, "minute": 59}
